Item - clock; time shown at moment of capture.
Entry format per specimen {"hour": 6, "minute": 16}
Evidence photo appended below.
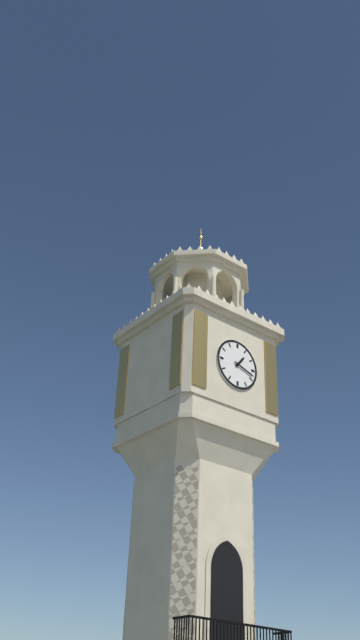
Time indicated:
{"hour": 1, "minute": 18}
